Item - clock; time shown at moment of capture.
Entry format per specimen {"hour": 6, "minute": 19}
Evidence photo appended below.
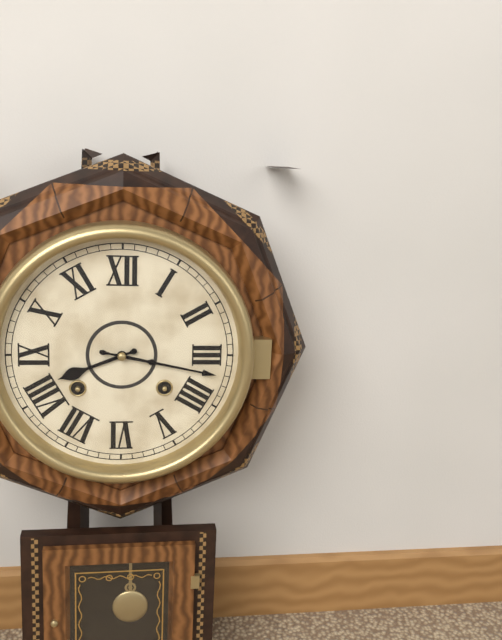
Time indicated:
{"hour": 8, "minute": 17}
